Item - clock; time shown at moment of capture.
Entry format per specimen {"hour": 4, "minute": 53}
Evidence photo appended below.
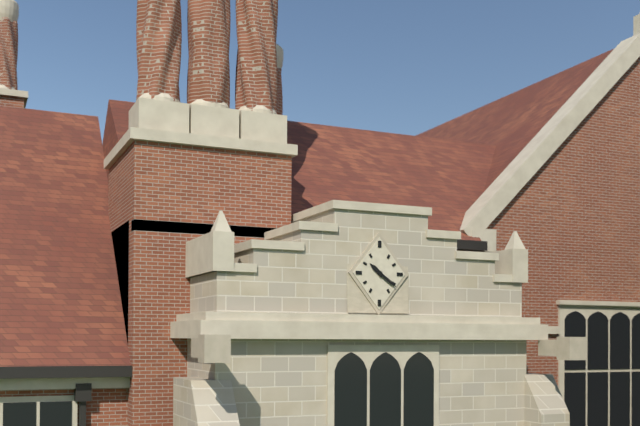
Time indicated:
{"hour": 10, "minute": 21}
